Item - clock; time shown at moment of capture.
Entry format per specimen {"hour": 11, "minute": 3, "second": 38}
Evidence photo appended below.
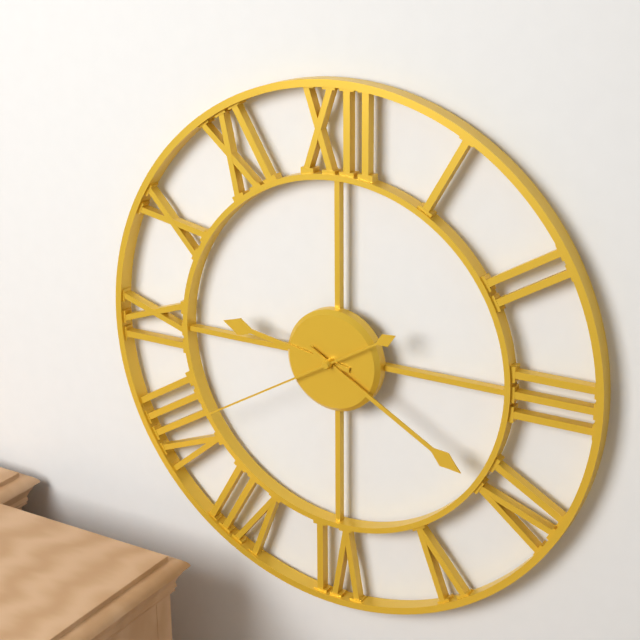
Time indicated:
{"hour": 9, "minute": 20, "second": 40}
